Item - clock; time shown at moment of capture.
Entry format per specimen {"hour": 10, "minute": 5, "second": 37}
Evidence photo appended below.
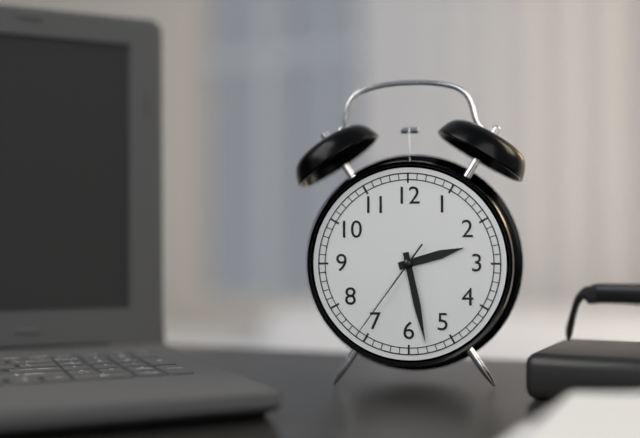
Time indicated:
{"hour": 2, "minute": 28, "second": 36}
